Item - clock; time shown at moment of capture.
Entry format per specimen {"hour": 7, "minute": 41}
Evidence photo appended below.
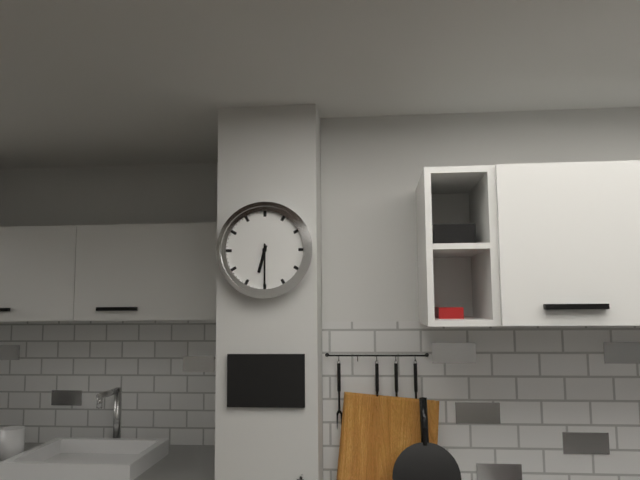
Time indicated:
{"hour": 6, "minute": 30}
